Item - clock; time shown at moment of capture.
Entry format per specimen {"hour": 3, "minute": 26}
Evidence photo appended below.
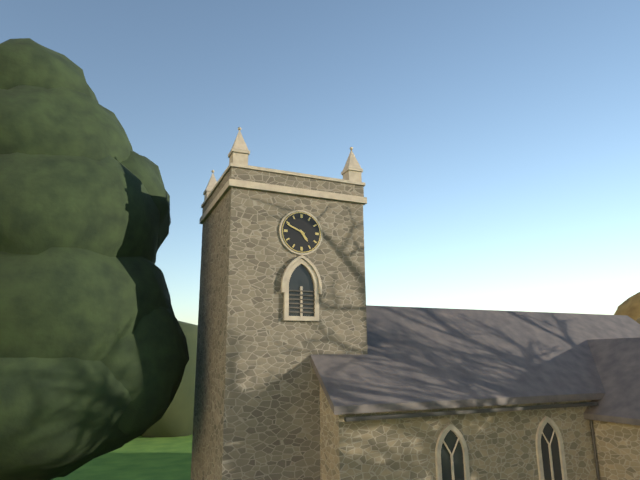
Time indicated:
{"hour": 4, "minute": 49}
